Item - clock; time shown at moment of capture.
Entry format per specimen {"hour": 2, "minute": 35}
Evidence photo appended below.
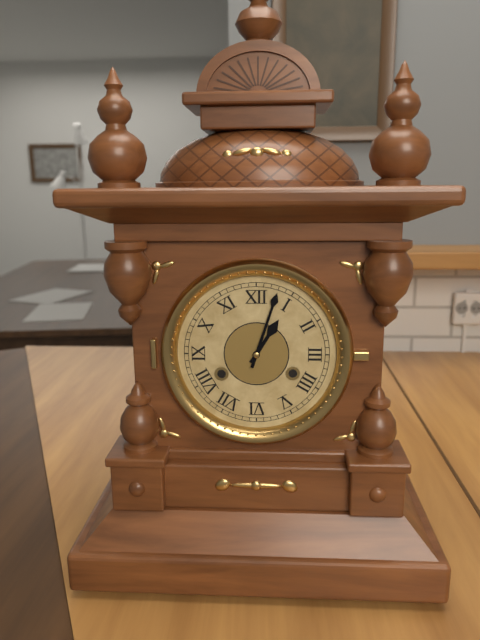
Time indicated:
{"hour": 1, "minute": 3}
